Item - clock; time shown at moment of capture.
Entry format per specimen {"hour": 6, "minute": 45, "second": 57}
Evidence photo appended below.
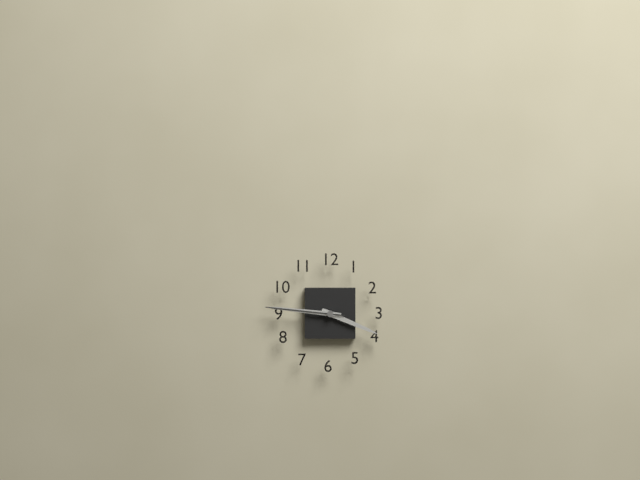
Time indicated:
{"hour": 3, "minute": 46, "second": 46}
